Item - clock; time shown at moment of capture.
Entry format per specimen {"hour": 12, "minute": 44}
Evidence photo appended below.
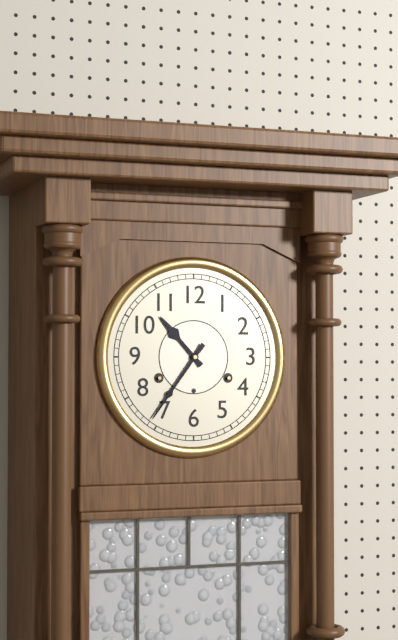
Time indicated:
{"hour": 10, "minute": 36}
